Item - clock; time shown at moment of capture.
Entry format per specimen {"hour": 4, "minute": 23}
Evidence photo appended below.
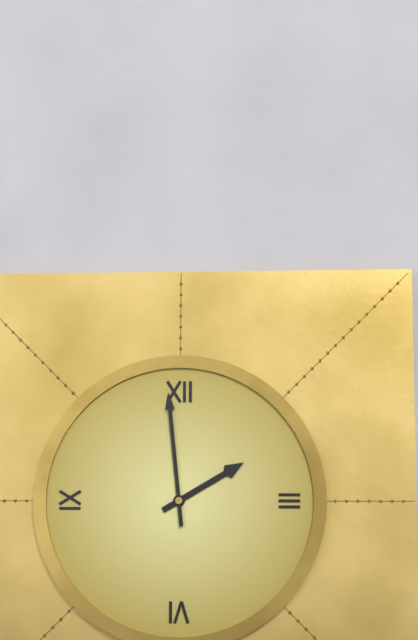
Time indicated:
{"hour": 1, "minute": 59}
